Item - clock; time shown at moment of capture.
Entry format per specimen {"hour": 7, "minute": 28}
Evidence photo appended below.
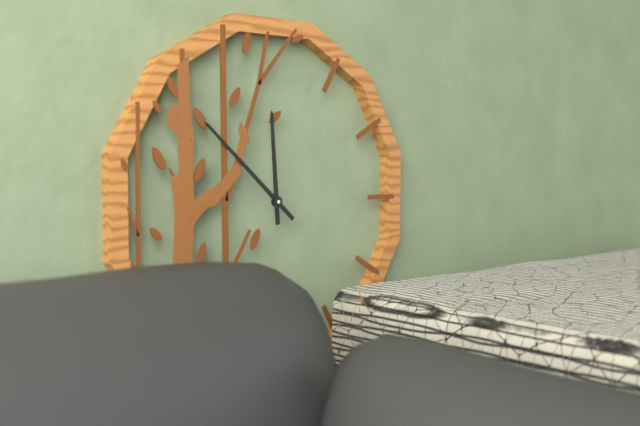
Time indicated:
{"hour": 11, "minute": 52}
